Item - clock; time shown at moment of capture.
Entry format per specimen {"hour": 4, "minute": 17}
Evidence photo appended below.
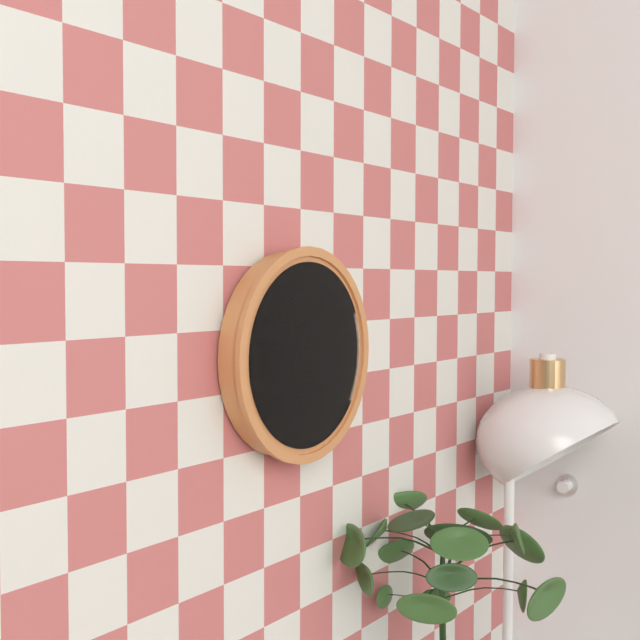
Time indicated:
{"hour": 1, "minute": 2}
